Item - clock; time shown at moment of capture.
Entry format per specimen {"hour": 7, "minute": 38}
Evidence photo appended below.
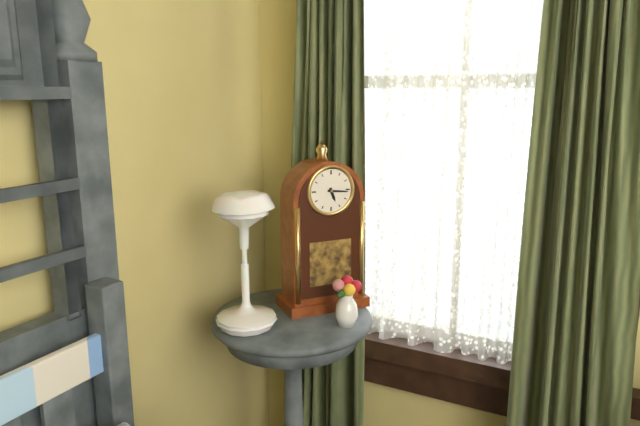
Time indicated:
{"hour": 5, "minute": 16}
